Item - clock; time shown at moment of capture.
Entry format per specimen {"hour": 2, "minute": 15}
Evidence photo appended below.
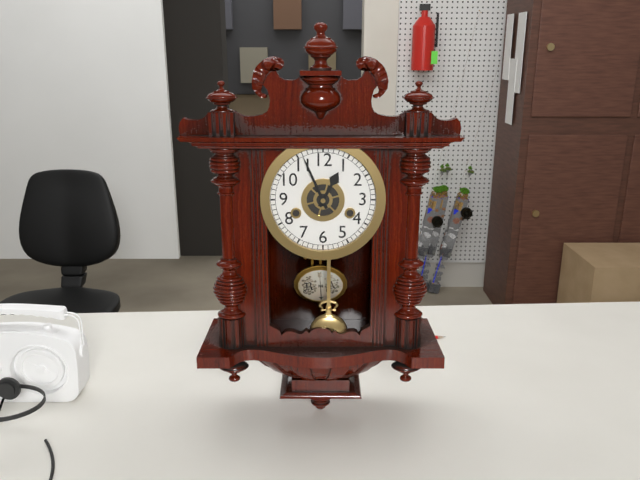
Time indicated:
{"hour": 12, "minute": 56}
